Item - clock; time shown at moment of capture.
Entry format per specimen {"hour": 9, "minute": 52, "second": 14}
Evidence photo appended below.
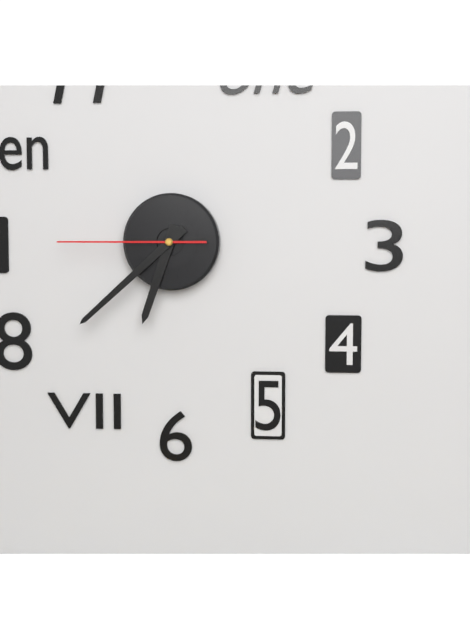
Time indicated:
{"hour": 6, "minute": 38, "second": 45}
